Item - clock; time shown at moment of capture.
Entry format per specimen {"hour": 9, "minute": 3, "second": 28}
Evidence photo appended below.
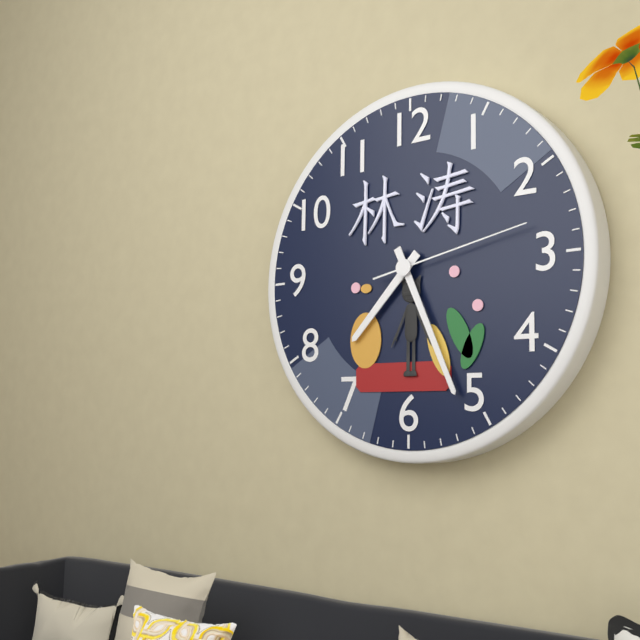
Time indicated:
{"hour": 7, "minute": 26, "second": 13}
